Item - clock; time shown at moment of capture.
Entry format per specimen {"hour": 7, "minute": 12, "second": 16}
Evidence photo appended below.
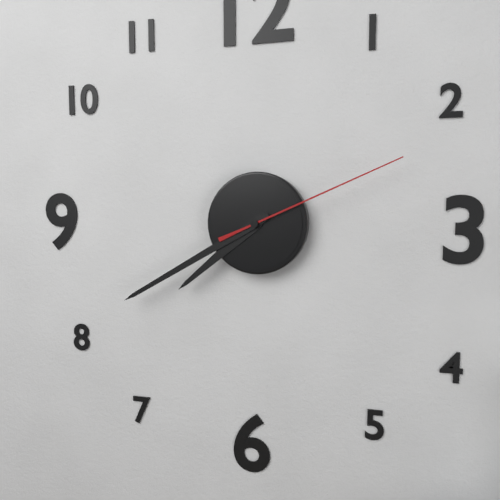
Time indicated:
{"hour": 7, "minute": 40, "second": 11}
